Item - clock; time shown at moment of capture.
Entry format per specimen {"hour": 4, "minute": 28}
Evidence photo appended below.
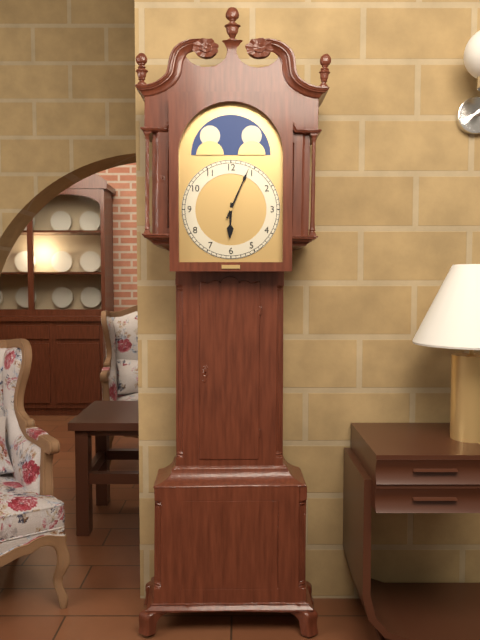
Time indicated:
{"hour": 6, "minute": 4}
